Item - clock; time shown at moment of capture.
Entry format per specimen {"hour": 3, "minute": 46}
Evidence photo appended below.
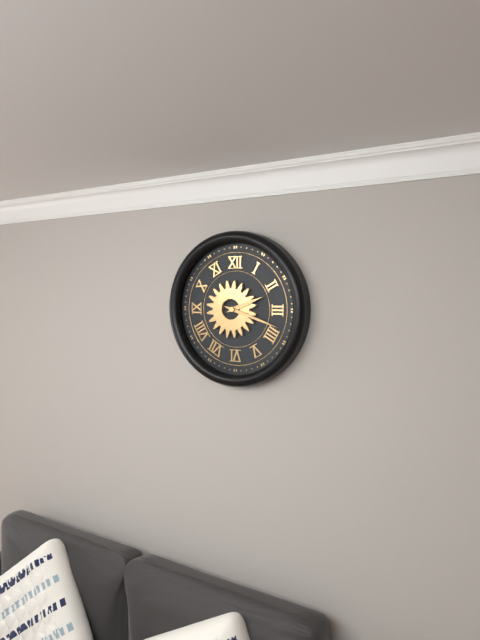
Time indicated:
{"hour": 2, "minute": 18}
